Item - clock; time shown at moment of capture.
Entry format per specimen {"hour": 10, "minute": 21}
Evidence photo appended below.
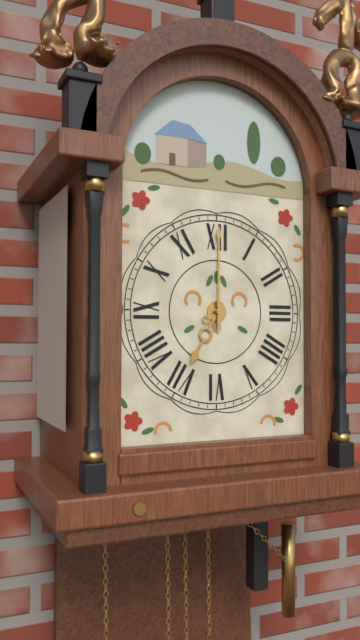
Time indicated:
{"hour": 7, "minute": 0}
